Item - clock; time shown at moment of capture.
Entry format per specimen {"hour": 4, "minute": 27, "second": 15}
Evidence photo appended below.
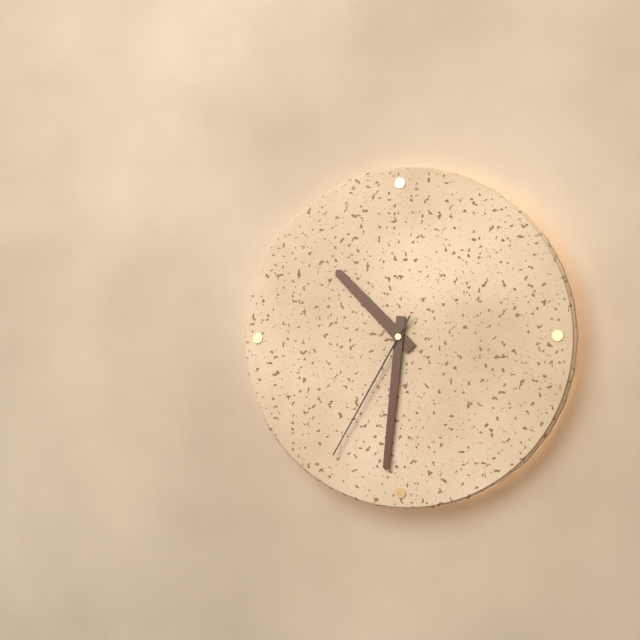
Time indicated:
{"hour": 10, "minute": 31, "second": 35}
